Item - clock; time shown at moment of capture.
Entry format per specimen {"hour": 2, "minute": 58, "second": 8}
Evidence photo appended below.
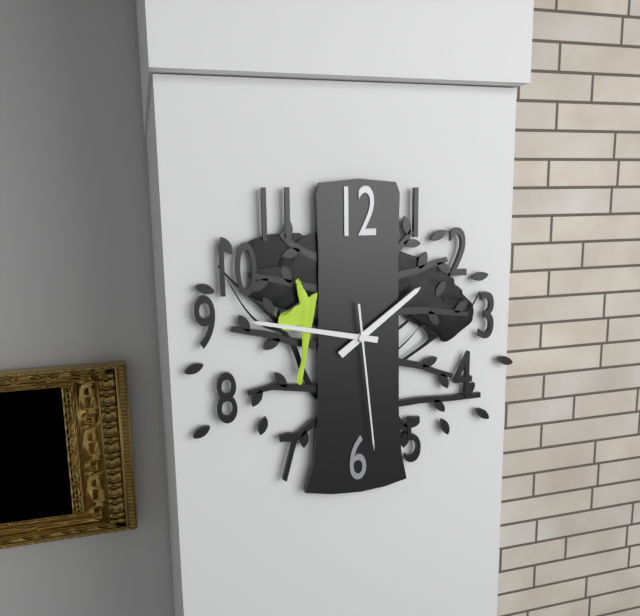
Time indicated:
{"hour": 1, "minute": 47, "second": 29}
